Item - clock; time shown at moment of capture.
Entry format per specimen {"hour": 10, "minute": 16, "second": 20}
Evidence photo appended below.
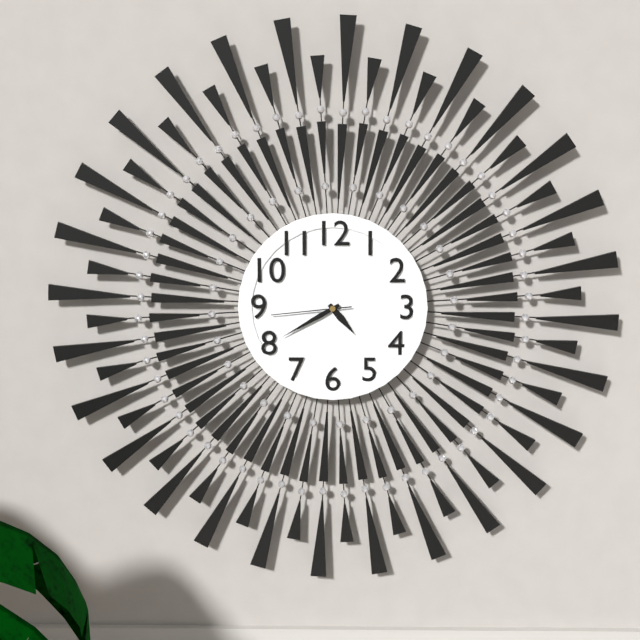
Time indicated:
{"hour": 4, "minute": 40, "second": 44}
